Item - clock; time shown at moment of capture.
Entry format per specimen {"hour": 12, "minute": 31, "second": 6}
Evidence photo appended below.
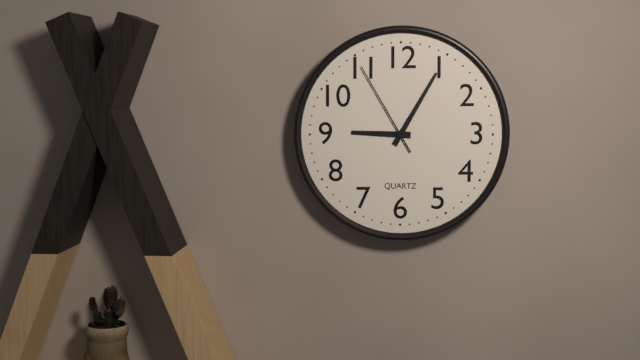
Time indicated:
{"hour": 9, "minute": 5, "second": 55}
